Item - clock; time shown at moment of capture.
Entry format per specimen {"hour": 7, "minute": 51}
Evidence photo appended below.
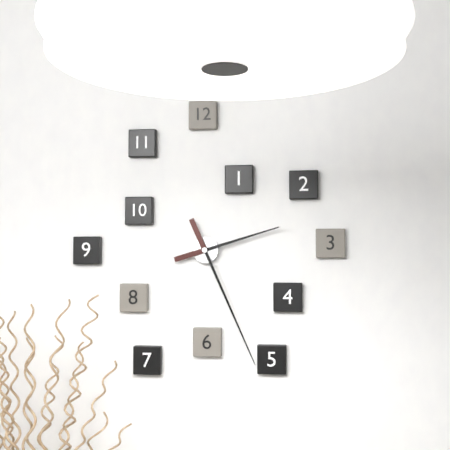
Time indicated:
{"hour": 2, "minute": 26}
